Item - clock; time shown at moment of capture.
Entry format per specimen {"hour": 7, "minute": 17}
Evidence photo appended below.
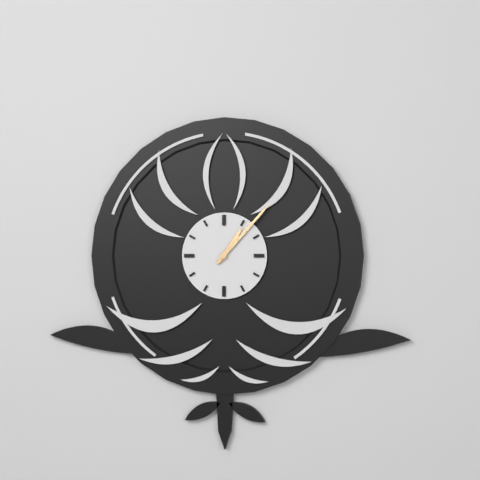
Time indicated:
{"hour": 1, "minute": 7}
